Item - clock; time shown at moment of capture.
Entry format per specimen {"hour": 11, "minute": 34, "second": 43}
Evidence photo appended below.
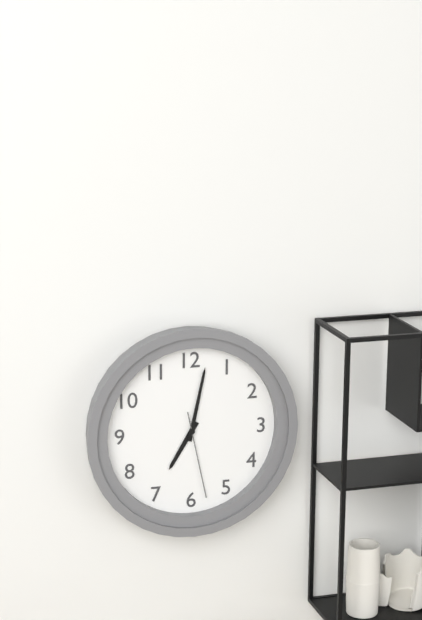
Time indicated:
{"hour": 7, "minute": 2, "second": 28}
